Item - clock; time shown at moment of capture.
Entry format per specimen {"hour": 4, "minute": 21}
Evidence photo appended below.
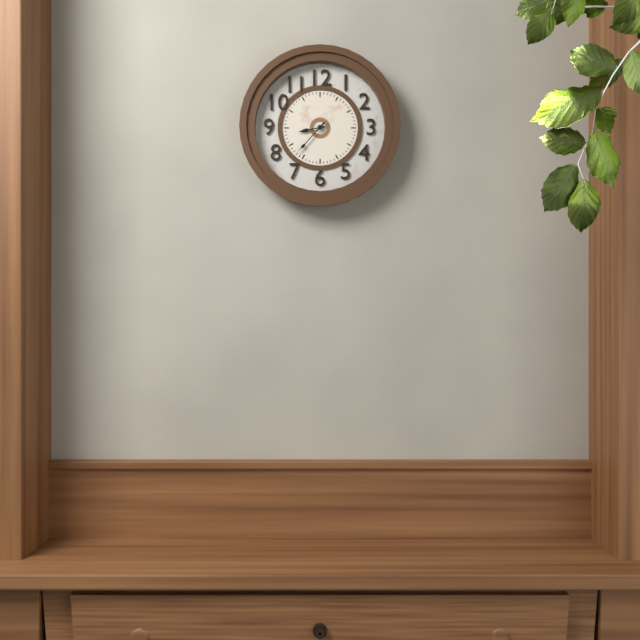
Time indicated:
{"hour": 8, "minute": 37}
